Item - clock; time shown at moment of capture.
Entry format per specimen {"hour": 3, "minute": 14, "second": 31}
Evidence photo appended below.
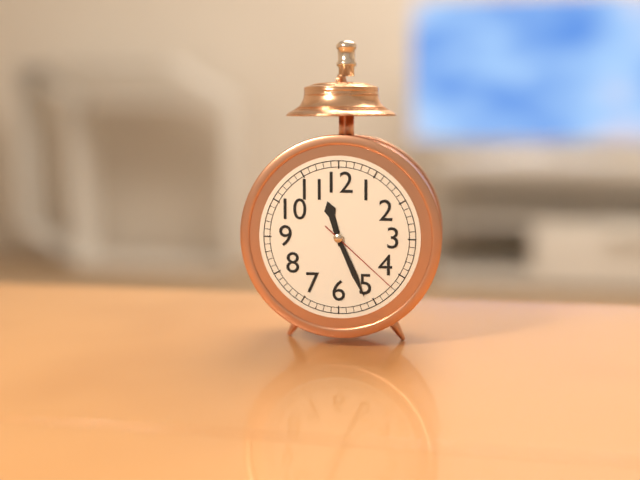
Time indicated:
{"hour": 11, "minute": 26, "second": 22}
